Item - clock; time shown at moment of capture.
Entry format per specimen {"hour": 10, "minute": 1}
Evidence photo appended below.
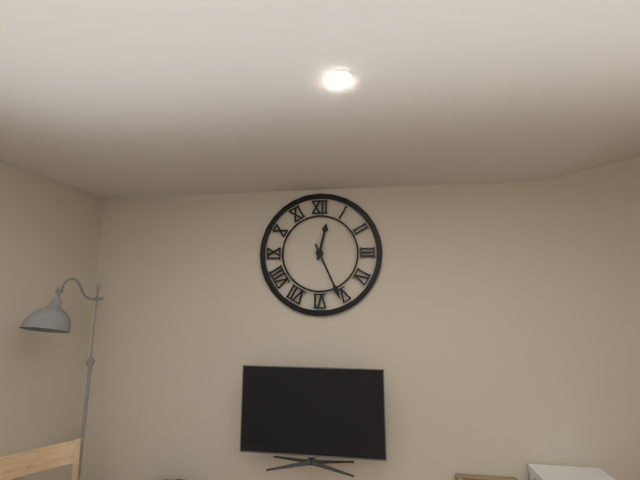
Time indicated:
{"hour": 12, "minute": 26}
